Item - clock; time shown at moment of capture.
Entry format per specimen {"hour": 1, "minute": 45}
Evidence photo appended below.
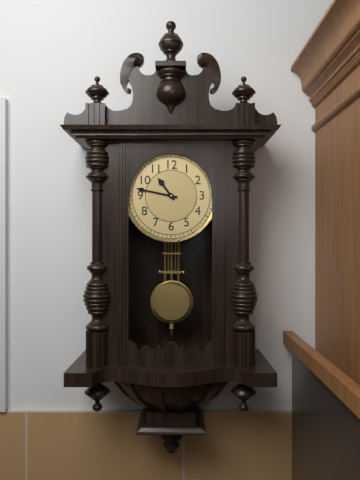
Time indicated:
{"hour": 10, "minute": 47}
